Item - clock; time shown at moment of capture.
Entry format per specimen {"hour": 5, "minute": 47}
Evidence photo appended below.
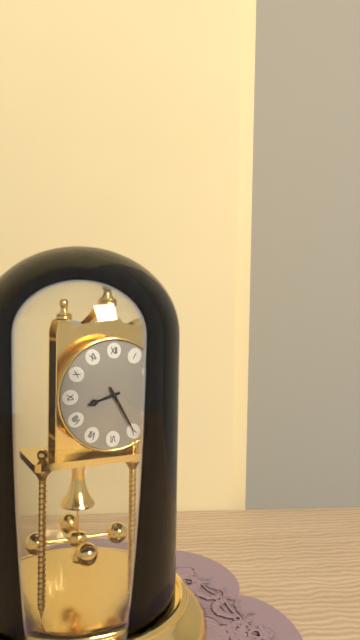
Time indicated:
{"hour": 8, "minute": 25}
